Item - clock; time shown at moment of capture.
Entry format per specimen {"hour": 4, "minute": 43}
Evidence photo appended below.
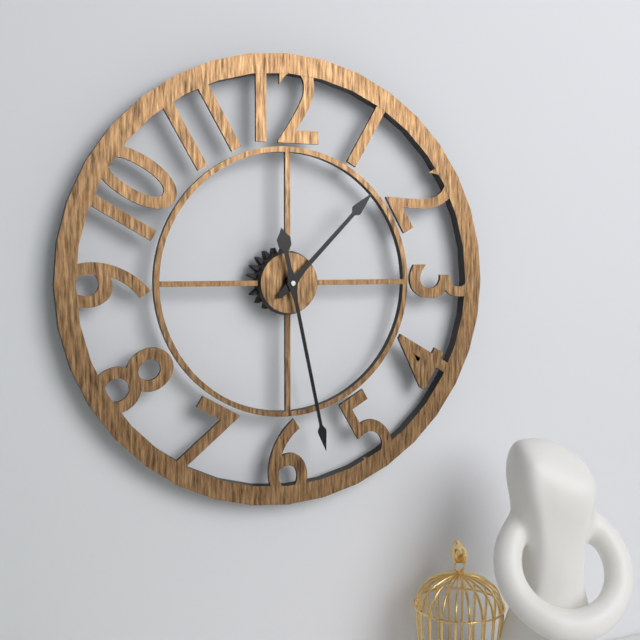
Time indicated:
{"hour": 1, "minute": 28}
